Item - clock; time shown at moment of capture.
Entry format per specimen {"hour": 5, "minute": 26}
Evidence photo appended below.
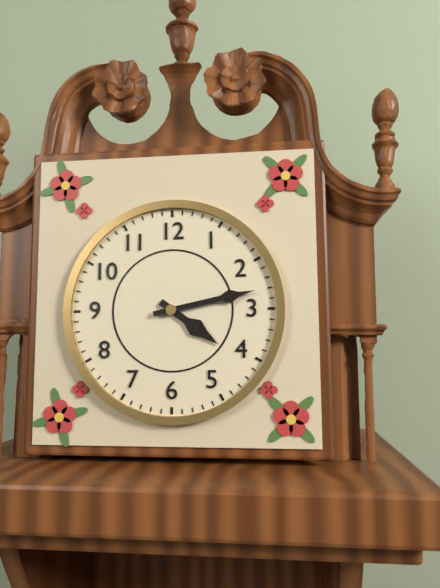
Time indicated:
{"hour": 4, "minute": 13}
